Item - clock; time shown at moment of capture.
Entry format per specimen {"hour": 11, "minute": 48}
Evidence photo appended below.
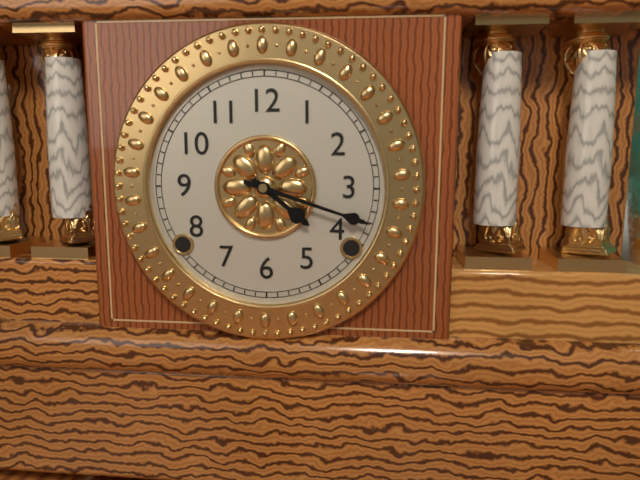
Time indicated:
{"hour": 4, "minute": 18}
